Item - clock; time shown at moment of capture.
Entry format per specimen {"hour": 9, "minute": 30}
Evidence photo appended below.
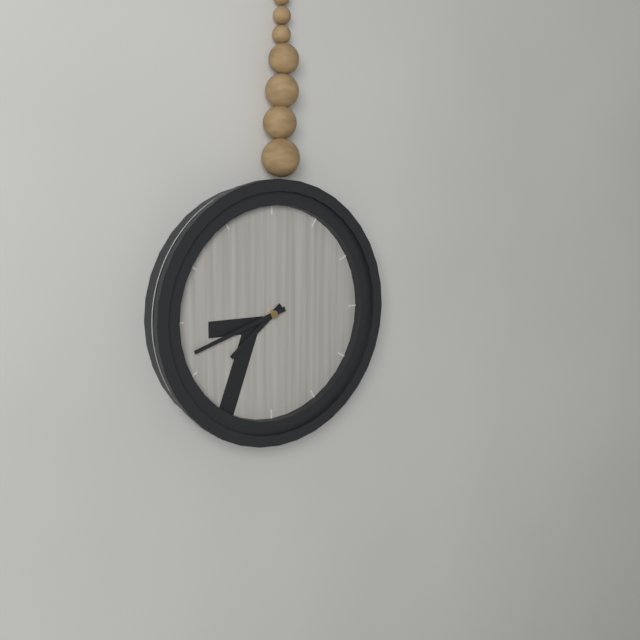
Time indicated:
{"hour": 7, "minute": 42}
